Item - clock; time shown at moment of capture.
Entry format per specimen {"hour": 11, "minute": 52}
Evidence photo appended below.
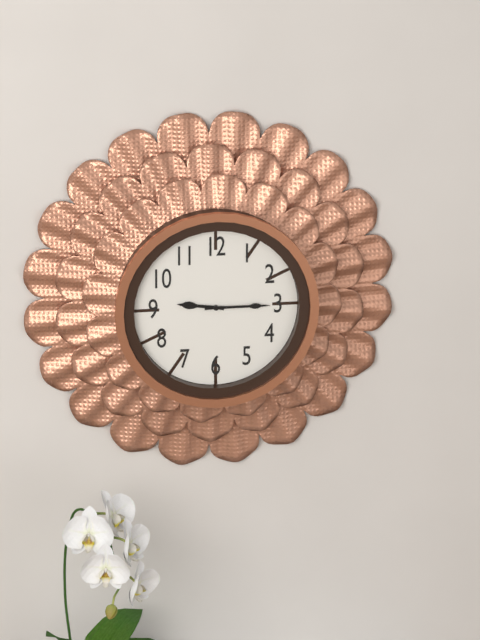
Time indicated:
{"hour": 9, "minute": 15}
